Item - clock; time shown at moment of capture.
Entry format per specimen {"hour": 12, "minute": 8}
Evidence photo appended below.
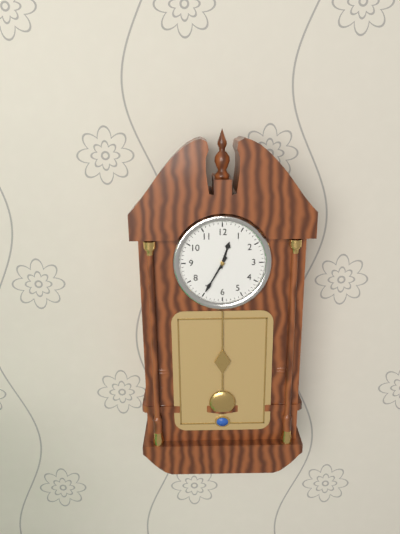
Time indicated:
{"hour": 12, "minute": 35}
